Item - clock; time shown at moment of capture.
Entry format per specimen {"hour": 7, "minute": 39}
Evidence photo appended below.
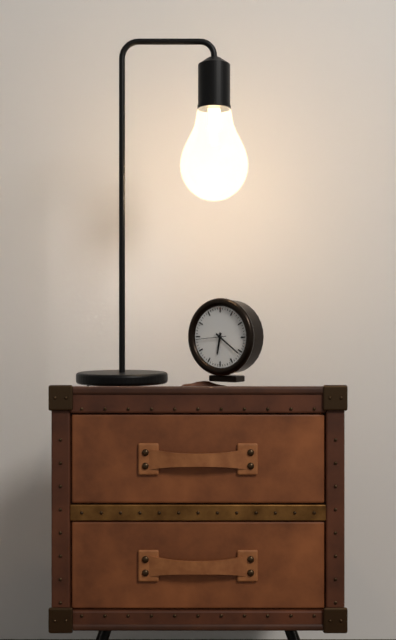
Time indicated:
{"hour": 6, "minute": 21}
